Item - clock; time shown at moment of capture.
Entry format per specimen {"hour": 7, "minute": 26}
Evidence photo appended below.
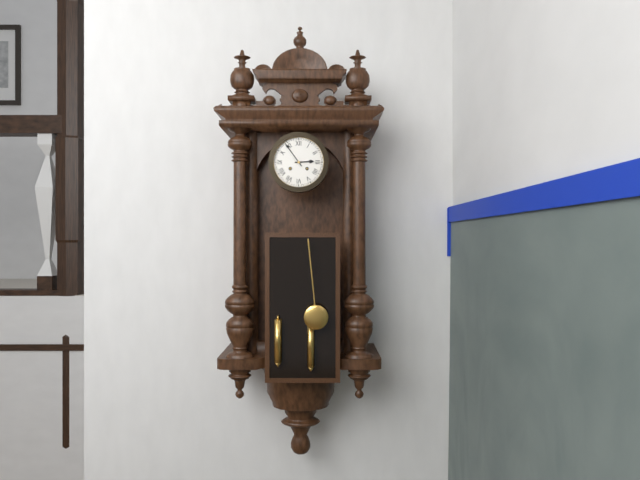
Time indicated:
{"hour": 2, "minute": 54}
